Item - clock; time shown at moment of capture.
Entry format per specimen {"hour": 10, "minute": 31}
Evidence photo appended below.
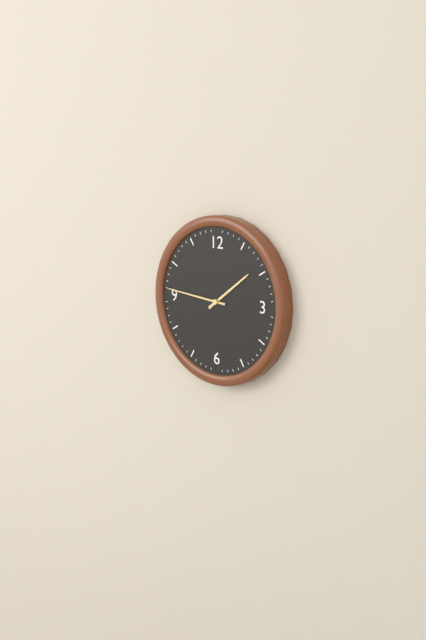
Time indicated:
{"hour": 1, "minute": 46}
